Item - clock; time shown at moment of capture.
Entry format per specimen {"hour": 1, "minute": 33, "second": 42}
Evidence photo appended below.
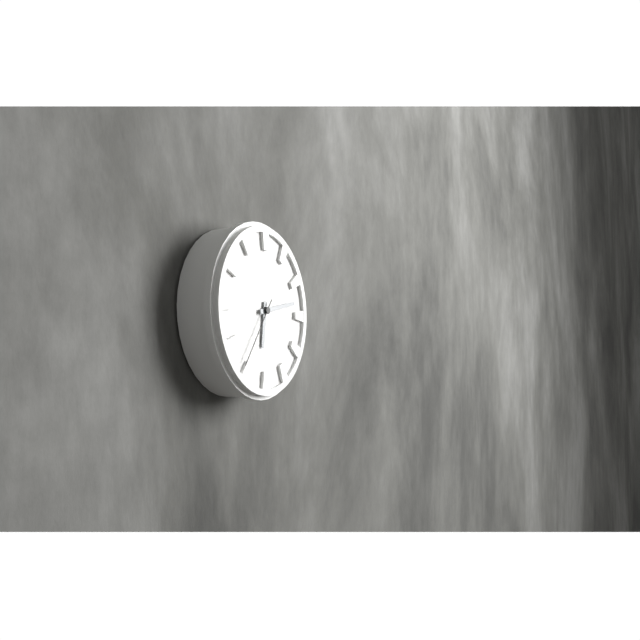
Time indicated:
{"hour": 6, "minute": 13, "second": 36}
